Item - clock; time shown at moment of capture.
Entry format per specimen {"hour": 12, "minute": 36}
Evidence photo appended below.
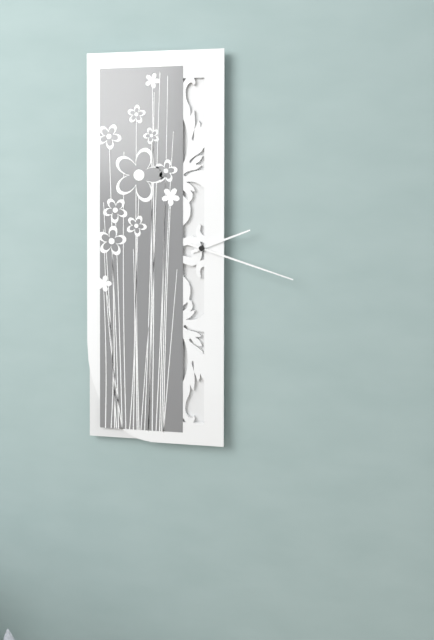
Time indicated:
{"hour": 2, "minute": 18}
